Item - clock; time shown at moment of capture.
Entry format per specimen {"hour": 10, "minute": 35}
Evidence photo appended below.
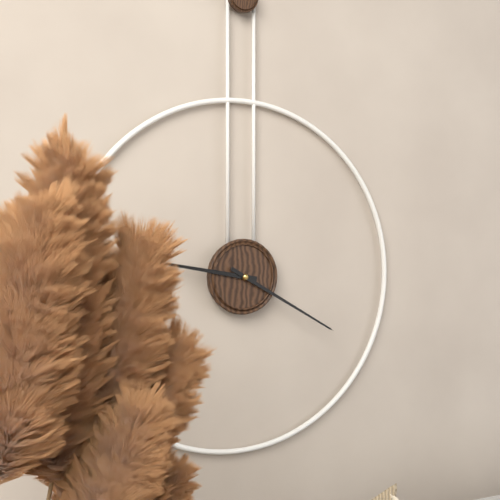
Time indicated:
{"hour": 9, "minute": 20}
